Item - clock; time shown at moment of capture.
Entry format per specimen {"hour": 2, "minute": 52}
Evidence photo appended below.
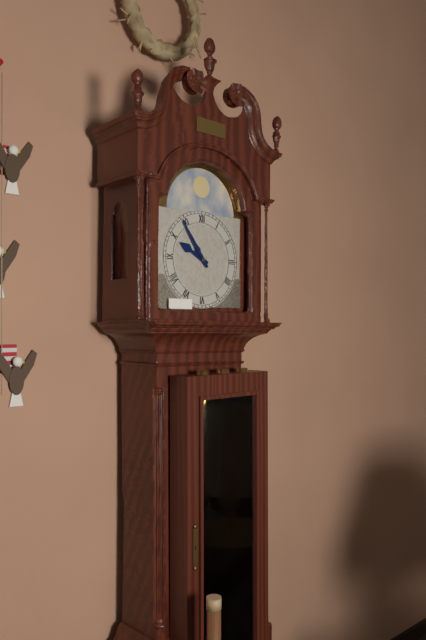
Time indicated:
{"hour": 9, "minute": 54}
